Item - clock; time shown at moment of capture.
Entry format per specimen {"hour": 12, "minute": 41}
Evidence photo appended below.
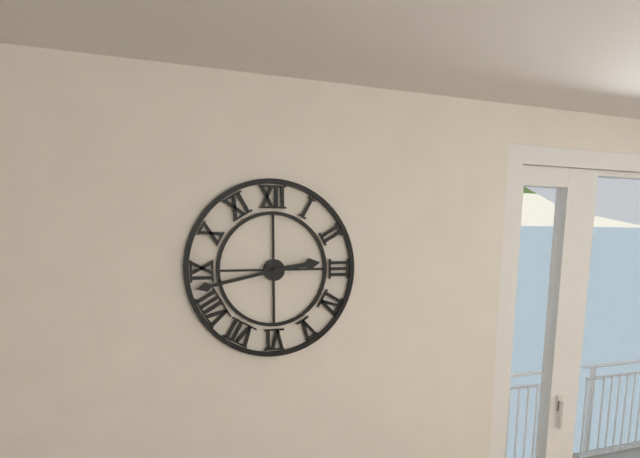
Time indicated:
{"hour": 2, "minute": 43}
